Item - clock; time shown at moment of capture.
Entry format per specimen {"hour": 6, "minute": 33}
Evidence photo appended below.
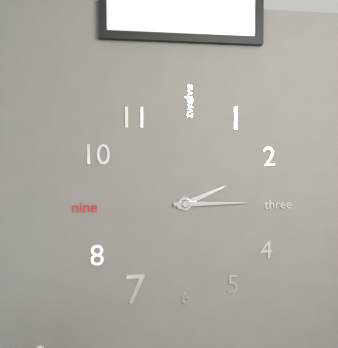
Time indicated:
{"hour": 2, "minute": 15}
